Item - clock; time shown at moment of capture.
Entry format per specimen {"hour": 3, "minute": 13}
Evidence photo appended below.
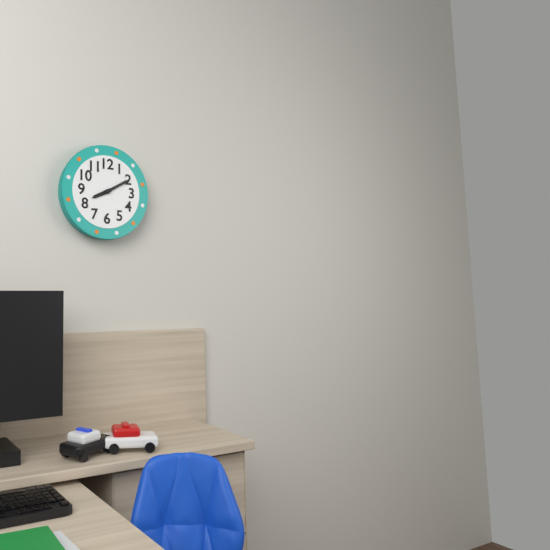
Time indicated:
{"hour": 8, "minute": 10}
